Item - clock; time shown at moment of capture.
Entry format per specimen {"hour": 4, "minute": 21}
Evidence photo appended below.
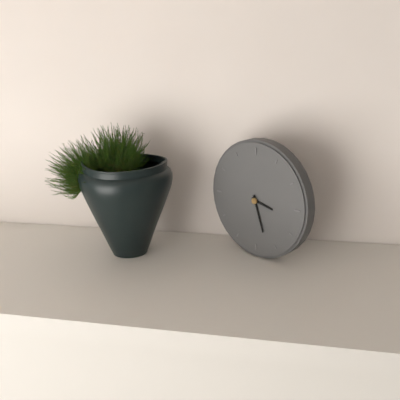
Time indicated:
{"hour": 3, "minute": 27}
